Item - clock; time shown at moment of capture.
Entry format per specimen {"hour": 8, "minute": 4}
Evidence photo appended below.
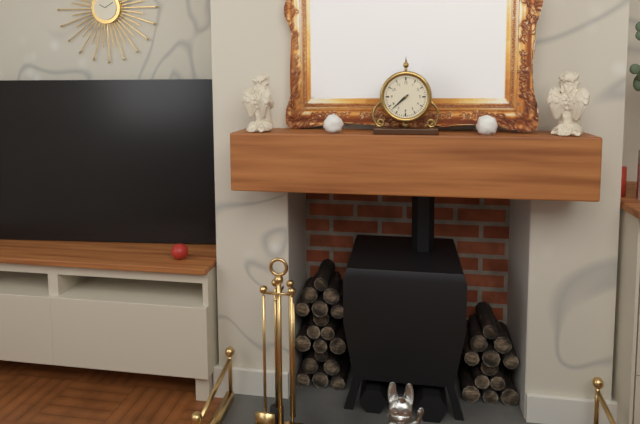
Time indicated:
{"hour": 7, "minute": 38}
